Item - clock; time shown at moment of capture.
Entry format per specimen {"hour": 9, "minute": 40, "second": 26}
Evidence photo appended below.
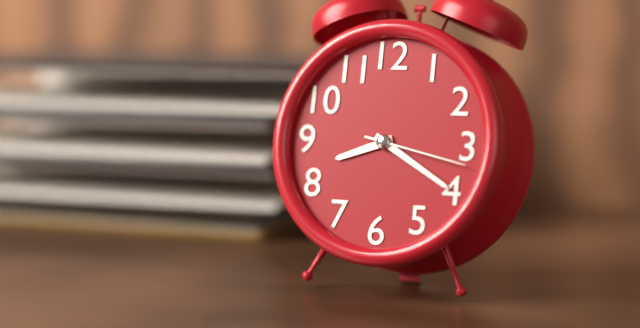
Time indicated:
{"hour": 8, "minute": 20, "second": 17}
